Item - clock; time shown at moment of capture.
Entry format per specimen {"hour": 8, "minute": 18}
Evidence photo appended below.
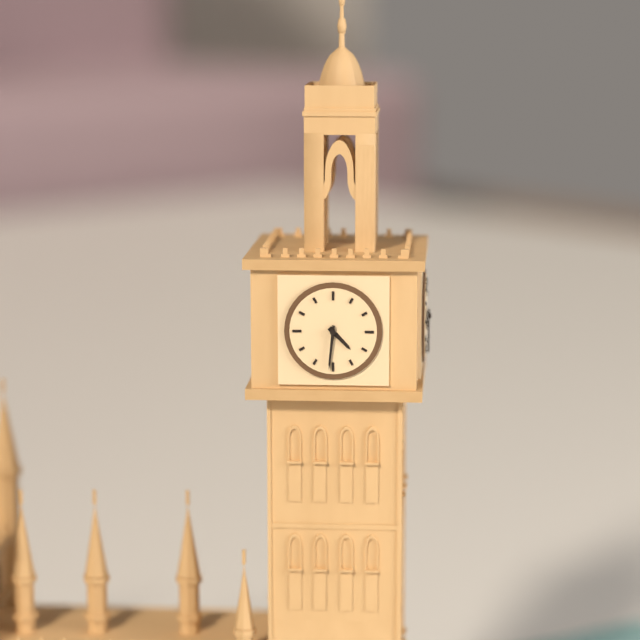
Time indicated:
{"hour": 4, "minute": 31}
